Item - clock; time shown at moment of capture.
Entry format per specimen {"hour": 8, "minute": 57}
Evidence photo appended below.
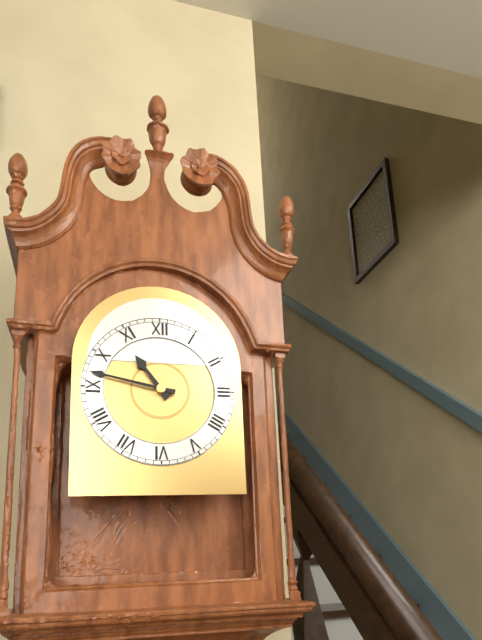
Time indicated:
{"hour": 10, "minute": 47}
